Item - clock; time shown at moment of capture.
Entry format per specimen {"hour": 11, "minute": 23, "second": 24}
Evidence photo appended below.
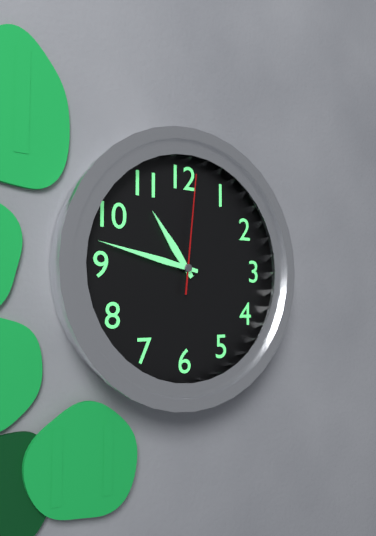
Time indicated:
{"hour": 10, "minute": 47, "second": 1}
